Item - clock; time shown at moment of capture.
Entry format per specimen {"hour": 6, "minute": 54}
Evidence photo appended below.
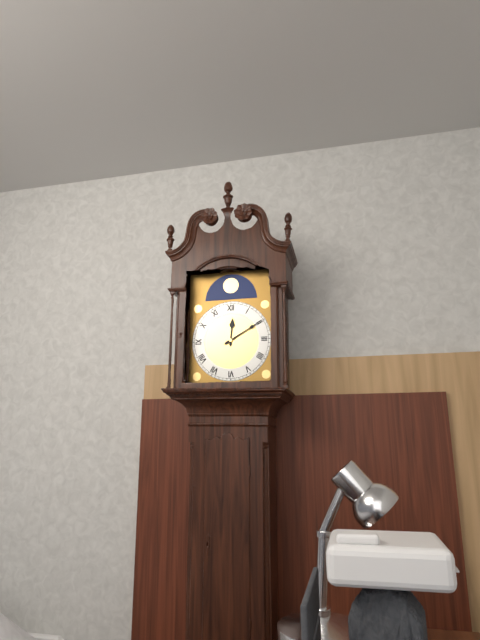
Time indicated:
{"hour": 12, "minute": 10}
